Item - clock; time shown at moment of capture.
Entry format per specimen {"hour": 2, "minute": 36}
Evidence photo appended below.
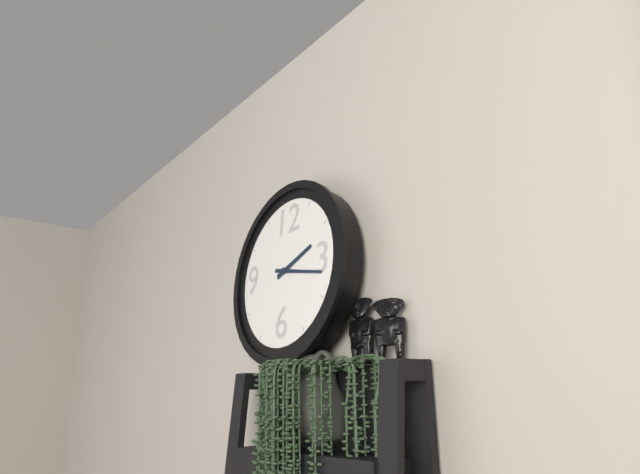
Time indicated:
{"hour": 2, "minute": 17}
